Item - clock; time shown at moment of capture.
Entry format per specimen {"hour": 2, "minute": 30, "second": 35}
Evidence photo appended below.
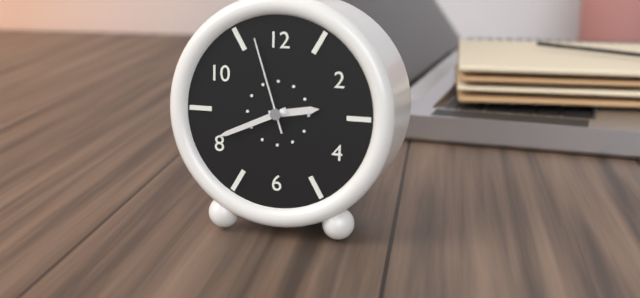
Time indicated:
{"hour": 2, "minute": 41, "second": 57}
